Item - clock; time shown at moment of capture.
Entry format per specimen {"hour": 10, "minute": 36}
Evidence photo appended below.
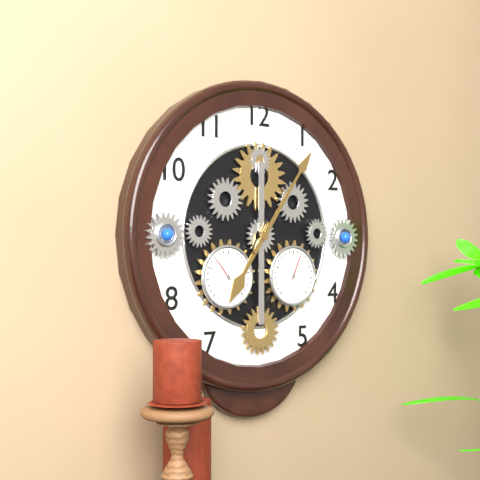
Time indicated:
{"hour": 7, "minute": 6}
